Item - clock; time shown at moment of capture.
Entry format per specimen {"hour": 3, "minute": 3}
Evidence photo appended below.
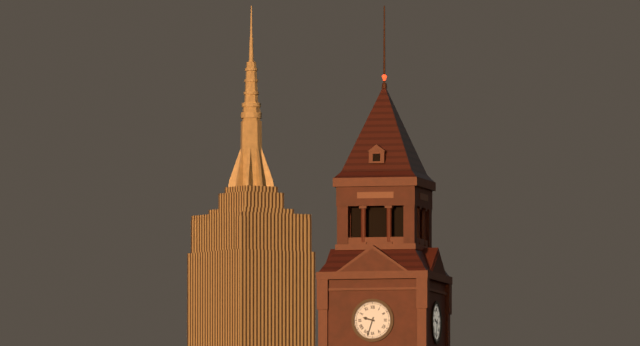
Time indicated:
{"hour": 9, "minute": 33}
